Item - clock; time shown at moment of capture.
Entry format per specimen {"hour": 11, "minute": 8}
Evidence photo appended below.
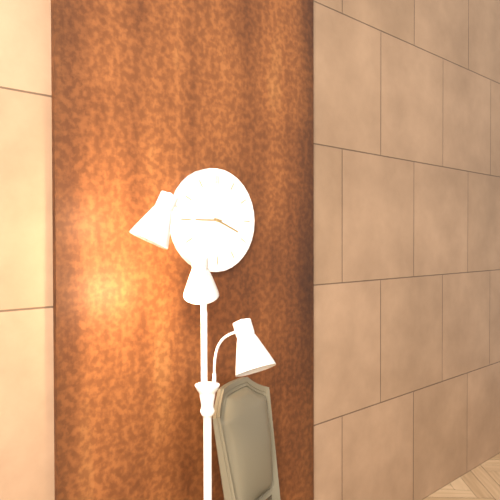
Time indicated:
{"hour": 3, "minute": 45}
